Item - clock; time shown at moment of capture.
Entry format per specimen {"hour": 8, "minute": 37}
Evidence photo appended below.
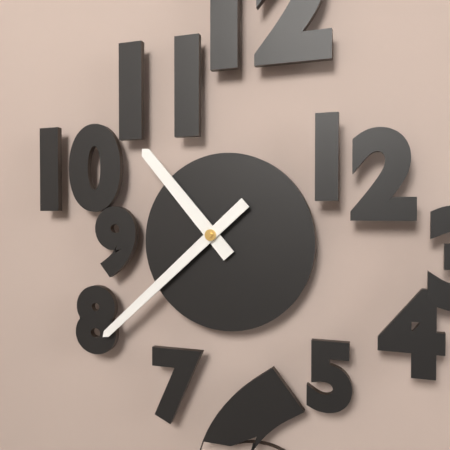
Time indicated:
{"hour": 10, "minute": 38}
